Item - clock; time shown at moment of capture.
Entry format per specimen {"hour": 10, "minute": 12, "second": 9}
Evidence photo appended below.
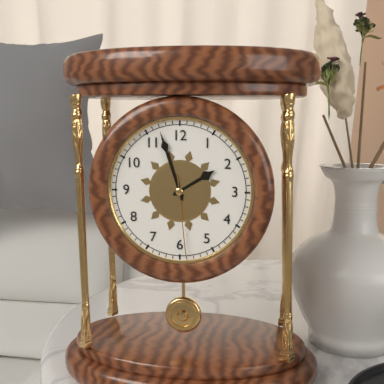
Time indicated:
{"hour": 1, "minute": 57, "second": 29}
